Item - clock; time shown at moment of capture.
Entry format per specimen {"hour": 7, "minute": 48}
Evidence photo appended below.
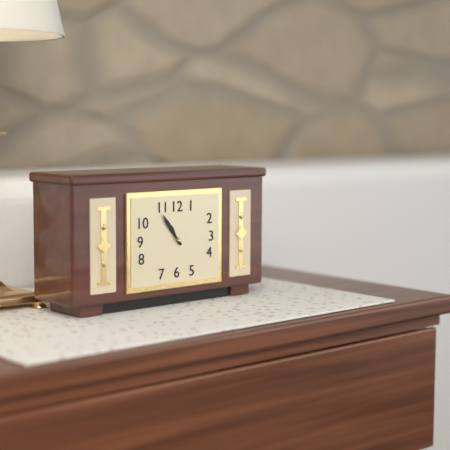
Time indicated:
{"hour": 10, "minute": 54}
